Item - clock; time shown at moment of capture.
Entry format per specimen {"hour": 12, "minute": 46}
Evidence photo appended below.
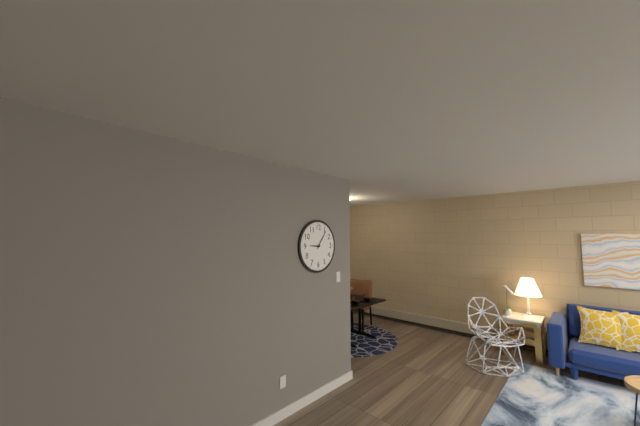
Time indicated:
{"hour": 9, "minute": 6}
